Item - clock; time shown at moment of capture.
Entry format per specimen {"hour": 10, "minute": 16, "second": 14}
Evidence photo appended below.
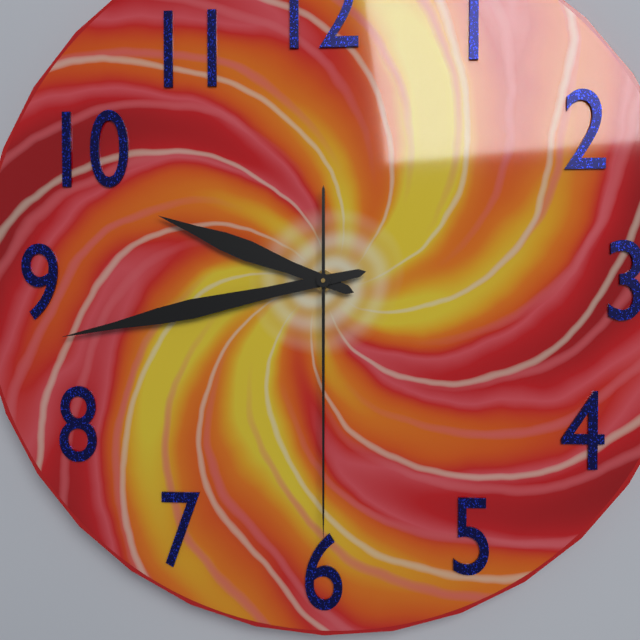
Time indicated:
{"hour": 9, "minute": 43, "second": 30}
